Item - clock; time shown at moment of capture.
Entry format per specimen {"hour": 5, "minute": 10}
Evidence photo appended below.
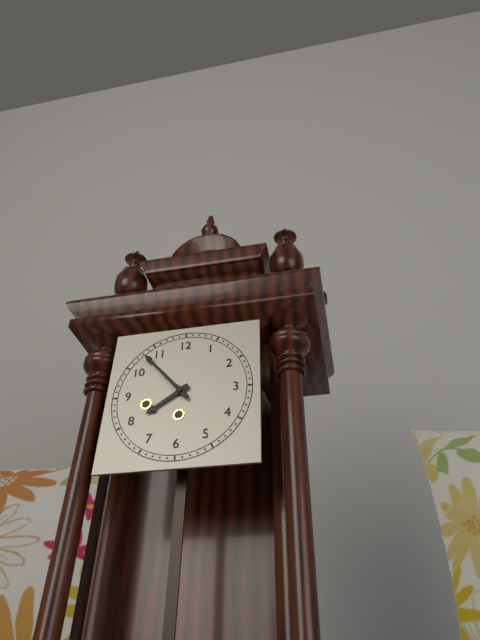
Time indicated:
{"hour": 7, "minute": 53}
